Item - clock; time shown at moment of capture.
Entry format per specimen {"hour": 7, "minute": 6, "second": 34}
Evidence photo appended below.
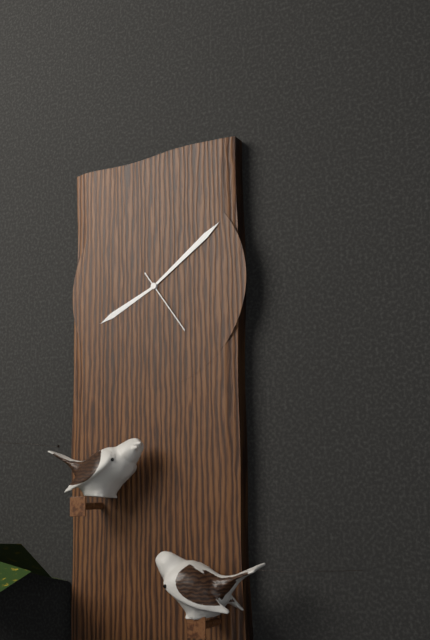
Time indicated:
{"hour": 8, "minute": 9, "second": 24}
